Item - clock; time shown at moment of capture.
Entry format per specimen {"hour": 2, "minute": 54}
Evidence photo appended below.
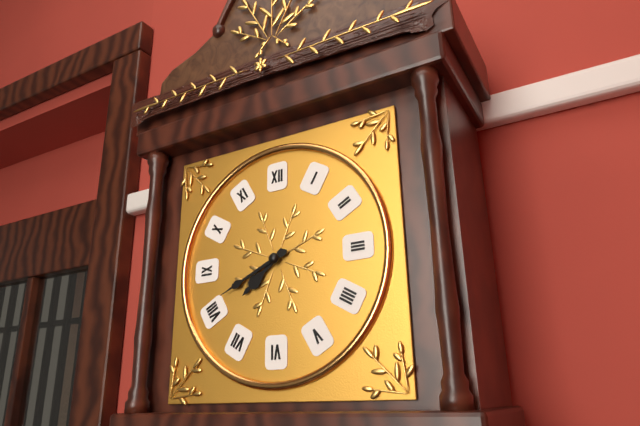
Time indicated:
{"hour": 7, "minute": 41}
